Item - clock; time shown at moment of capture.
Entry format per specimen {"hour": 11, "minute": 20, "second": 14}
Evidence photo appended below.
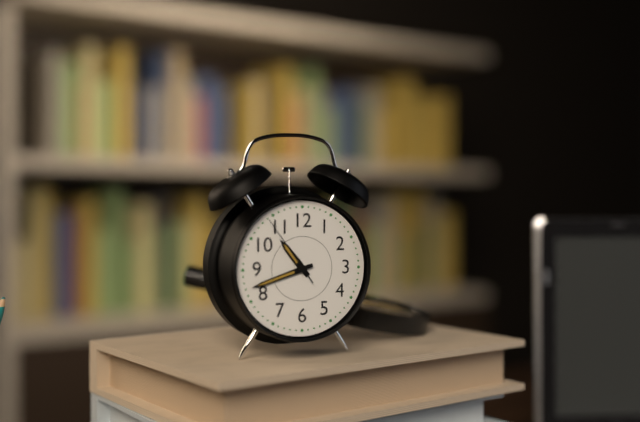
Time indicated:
{"hour": 10, "minute": 42, "second": 54}
